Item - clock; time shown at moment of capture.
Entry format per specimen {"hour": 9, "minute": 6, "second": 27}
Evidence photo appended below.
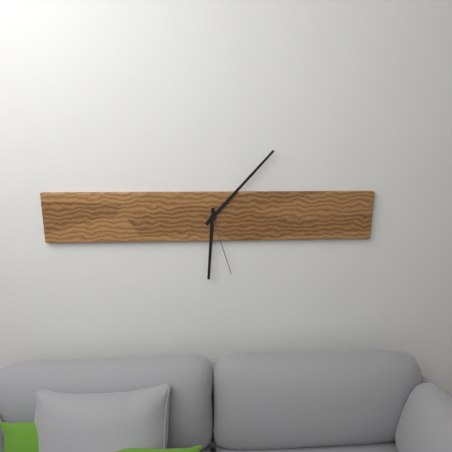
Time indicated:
{"hour": 6, "minute": 7, "second": 27}
